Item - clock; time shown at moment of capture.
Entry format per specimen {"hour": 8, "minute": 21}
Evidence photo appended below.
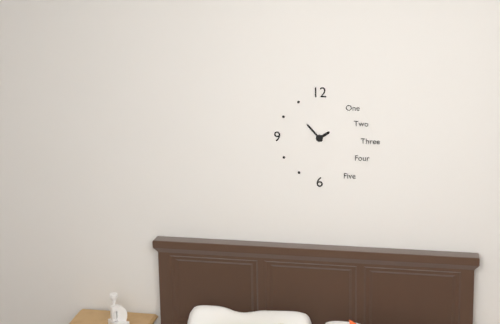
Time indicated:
{"hour": 1, "minute": 53}
